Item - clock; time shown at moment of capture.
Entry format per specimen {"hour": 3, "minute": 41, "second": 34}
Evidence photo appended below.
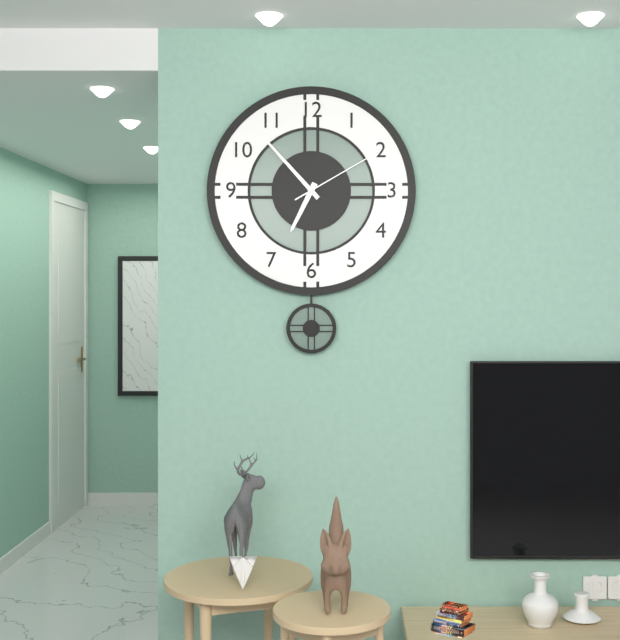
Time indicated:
{"hour": 6, "minute": 53, "second": 10}
